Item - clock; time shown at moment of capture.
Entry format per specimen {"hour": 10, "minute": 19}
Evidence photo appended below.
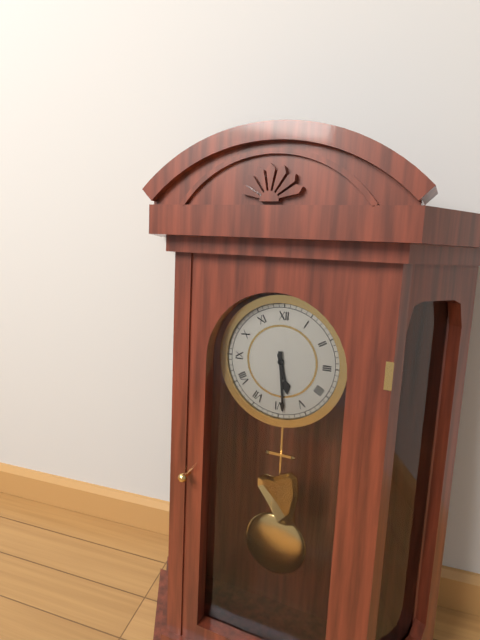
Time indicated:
{"hour": 5, "minute": 29}
